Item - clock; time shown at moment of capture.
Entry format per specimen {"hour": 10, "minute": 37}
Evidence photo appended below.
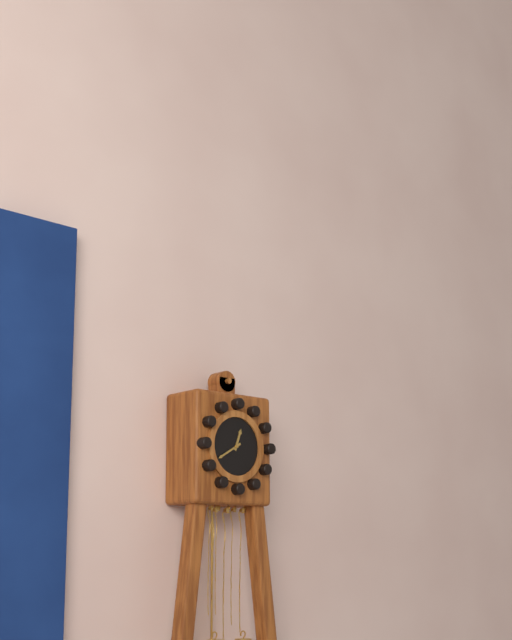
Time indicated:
{"hour": 12, "minute": 40}
